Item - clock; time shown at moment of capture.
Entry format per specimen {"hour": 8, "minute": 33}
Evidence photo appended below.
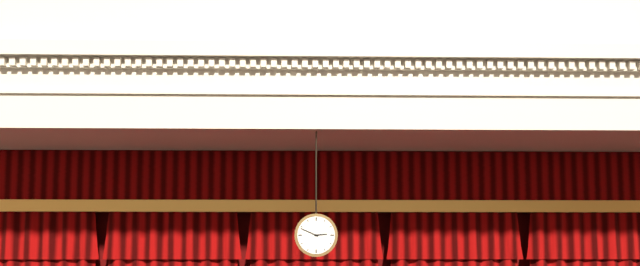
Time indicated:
{"hour": 2, "minute": 49}
